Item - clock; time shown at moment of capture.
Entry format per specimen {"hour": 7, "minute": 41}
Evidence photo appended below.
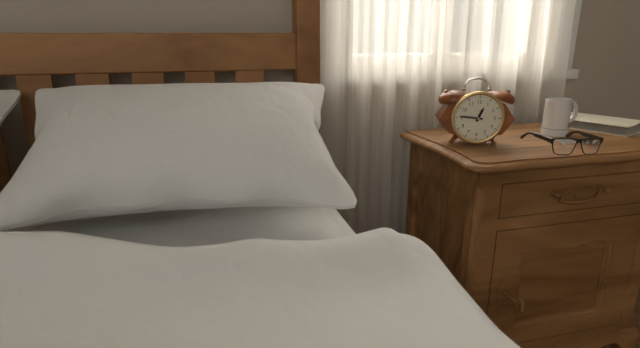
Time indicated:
{"hour": 12, "minute": 46}
